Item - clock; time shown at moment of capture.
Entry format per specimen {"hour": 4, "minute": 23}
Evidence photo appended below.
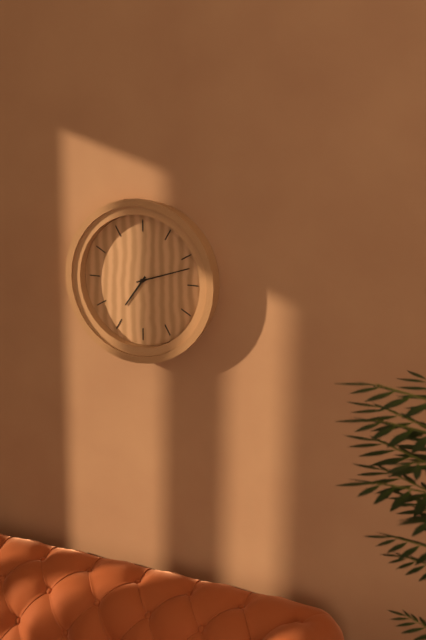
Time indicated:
{"hour": 7, "minute": 12}
